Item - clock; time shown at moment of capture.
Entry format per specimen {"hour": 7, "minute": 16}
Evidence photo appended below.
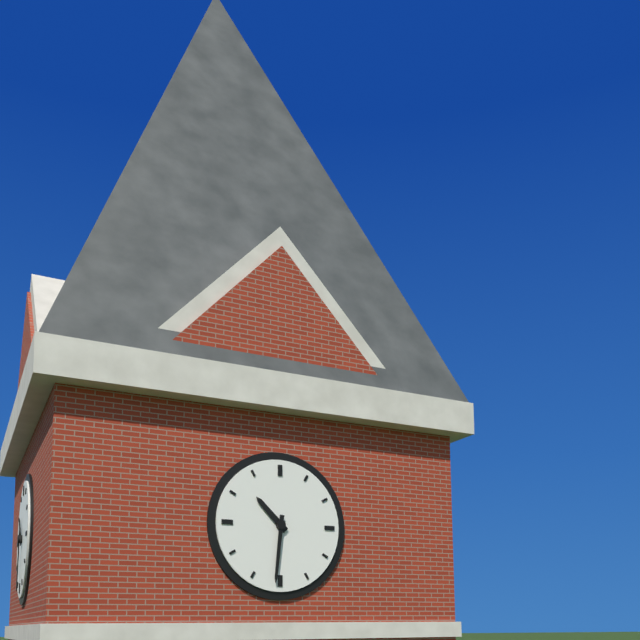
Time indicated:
{"hour": 10, "minute": 31}
